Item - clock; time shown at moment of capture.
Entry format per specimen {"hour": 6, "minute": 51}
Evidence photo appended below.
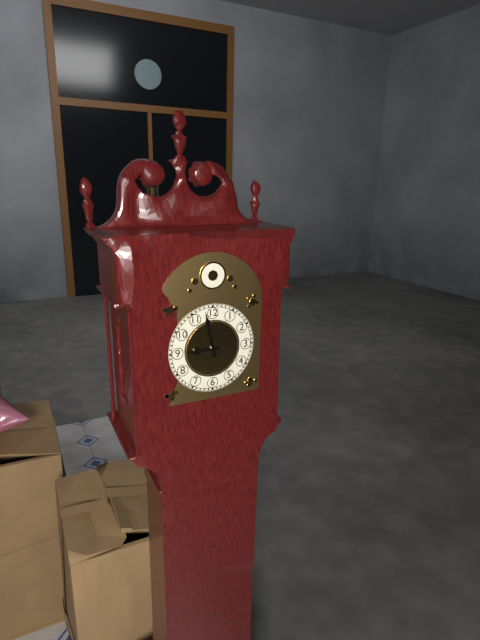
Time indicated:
{"hour": 8, "minute": 58}
